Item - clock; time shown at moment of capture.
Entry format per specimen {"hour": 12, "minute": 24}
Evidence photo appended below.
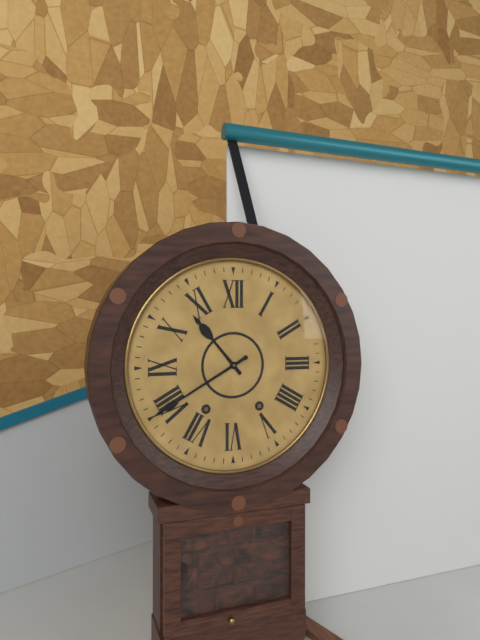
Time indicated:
{"hour": 10, "minute": 40}
